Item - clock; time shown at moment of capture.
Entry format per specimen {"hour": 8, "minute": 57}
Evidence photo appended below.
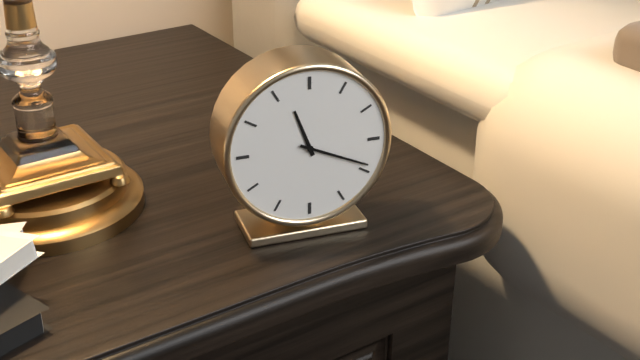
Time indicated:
{"hour": 11, "minute": 19}
